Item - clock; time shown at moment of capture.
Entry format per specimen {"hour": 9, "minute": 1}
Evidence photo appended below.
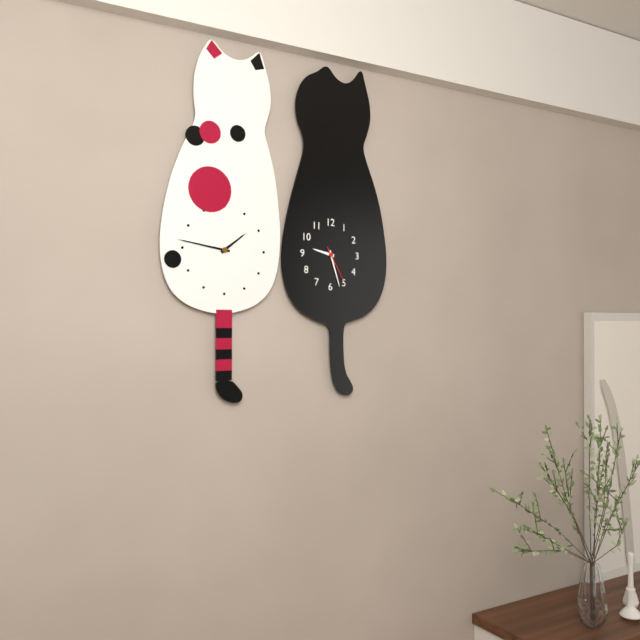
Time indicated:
{"hour": 9, "minute": 27}
